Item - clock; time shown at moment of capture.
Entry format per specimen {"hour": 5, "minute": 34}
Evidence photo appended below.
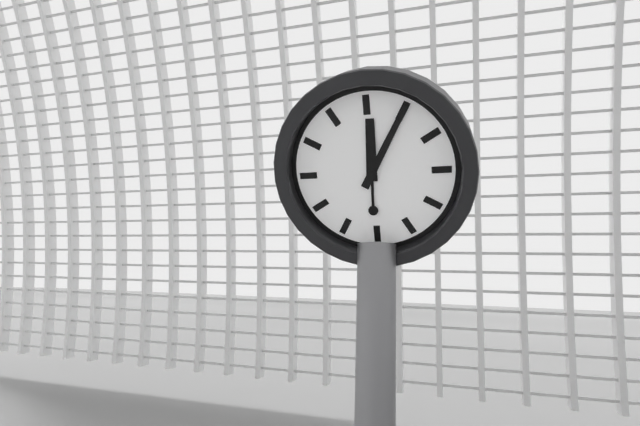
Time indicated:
{"hour": 12, "minute": 5}
